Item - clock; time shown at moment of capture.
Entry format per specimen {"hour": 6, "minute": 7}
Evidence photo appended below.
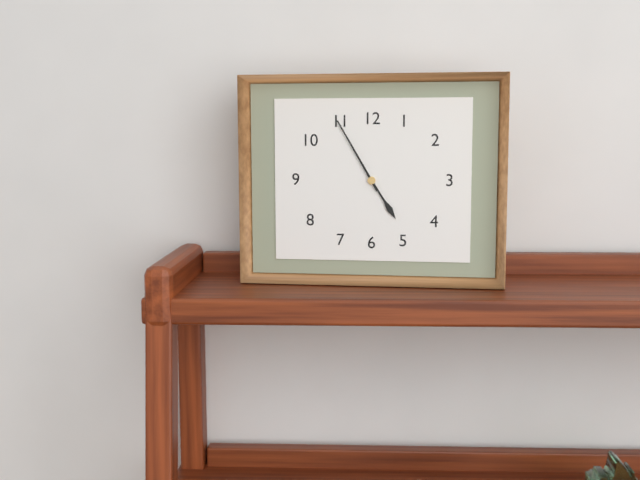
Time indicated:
{"hour": 4, "minute": 55}
